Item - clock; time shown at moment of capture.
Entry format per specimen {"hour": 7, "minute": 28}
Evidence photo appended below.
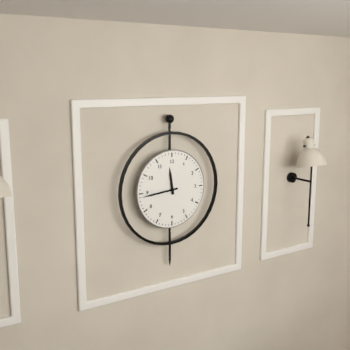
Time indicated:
{"hour": 11, "minute": 44}
